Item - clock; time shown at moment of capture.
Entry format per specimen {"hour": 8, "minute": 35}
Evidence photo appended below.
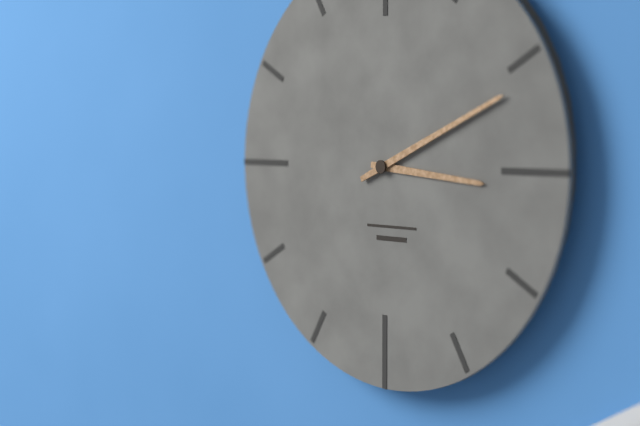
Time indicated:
{"hour": 3, "minute": 11}
